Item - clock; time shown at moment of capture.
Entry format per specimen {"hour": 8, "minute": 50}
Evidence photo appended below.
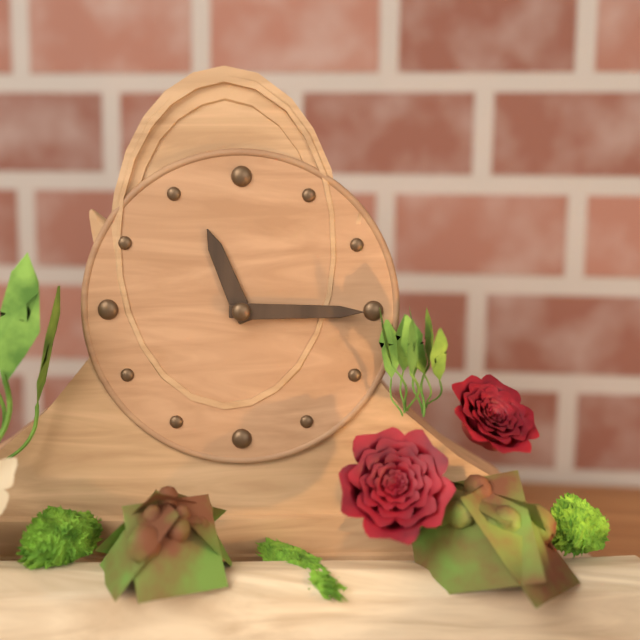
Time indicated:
{"hour": 11, "minute": 15}
